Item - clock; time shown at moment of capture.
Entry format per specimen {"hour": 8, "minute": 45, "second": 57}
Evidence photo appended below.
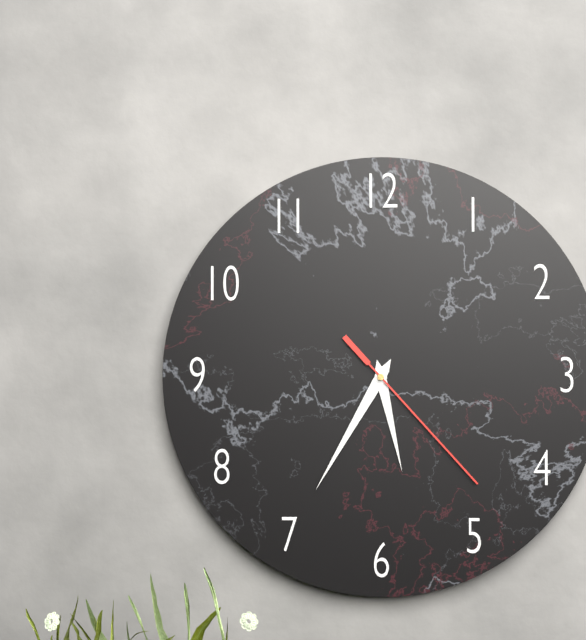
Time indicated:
{"hour": 5, "minute": 35, "second": 23}
